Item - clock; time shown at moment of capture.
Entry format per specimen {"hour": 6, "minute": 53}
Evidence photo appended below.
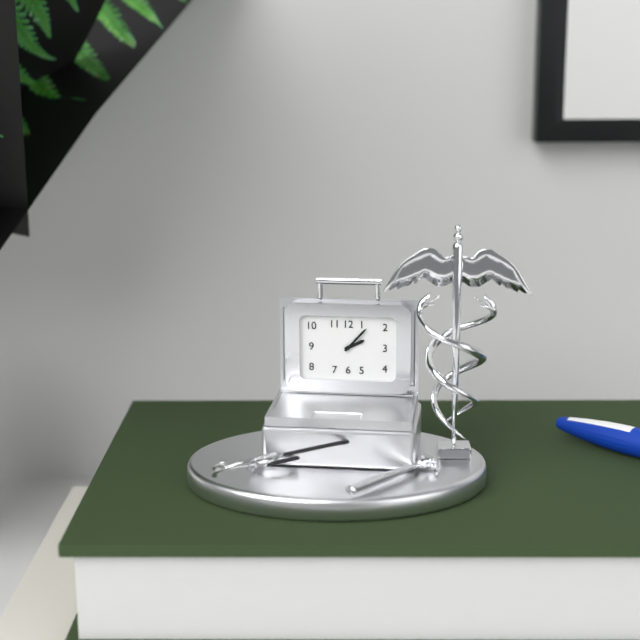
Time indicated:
{"hour": 2, "minute": 7}
